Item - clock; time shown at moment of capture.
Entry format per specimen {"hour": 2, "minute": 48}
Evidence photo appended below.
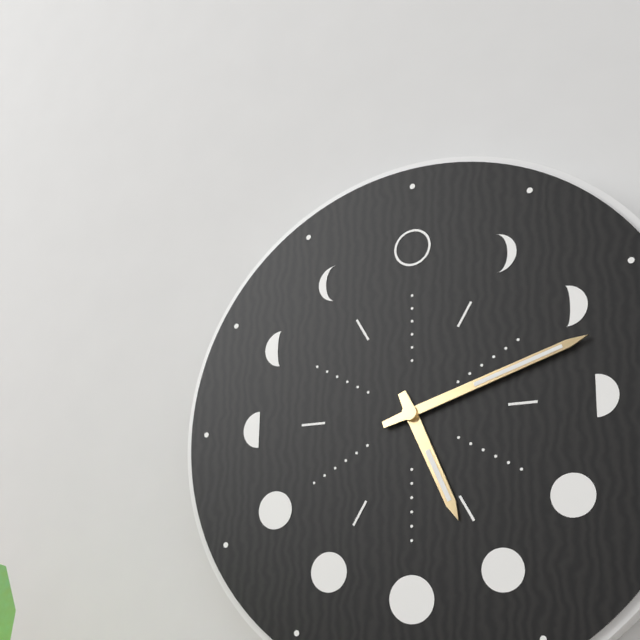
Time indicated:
{"hour": 5, "minute": 12}
